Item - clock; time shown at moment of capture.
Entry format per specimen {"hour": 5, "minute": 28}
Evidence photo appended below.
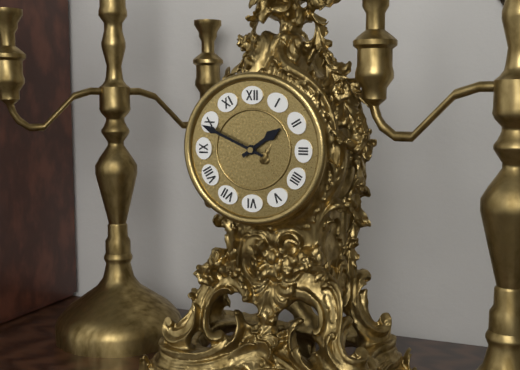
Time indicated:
{"hour": 1, "minute": 49}
